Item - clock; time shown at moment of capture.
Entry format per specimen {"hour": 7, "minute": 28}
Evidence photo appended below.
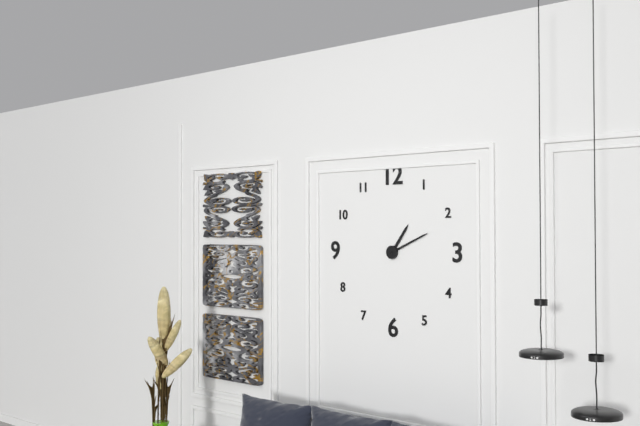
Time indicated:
{"hour": 1, "minute": 11}
